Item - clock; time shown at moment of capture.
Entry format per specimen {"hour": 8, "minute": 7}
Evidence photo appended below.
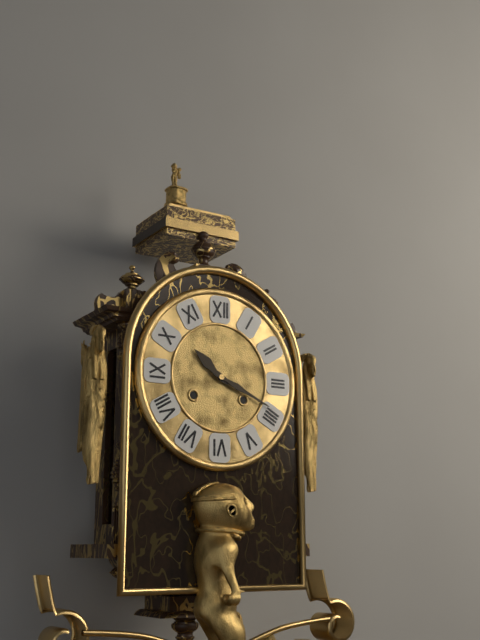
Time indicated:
{"hour": 10, "minute": 19}
